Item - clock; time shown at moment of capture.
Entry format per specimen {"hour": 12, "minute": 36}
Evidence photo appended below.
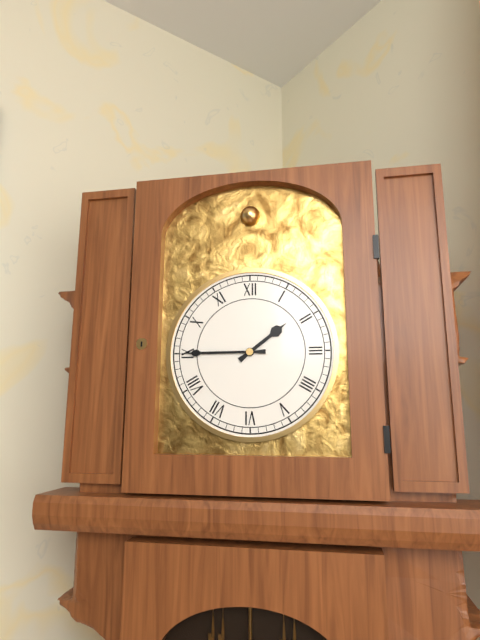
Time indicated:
{"hour": 1, "minute": 45}
